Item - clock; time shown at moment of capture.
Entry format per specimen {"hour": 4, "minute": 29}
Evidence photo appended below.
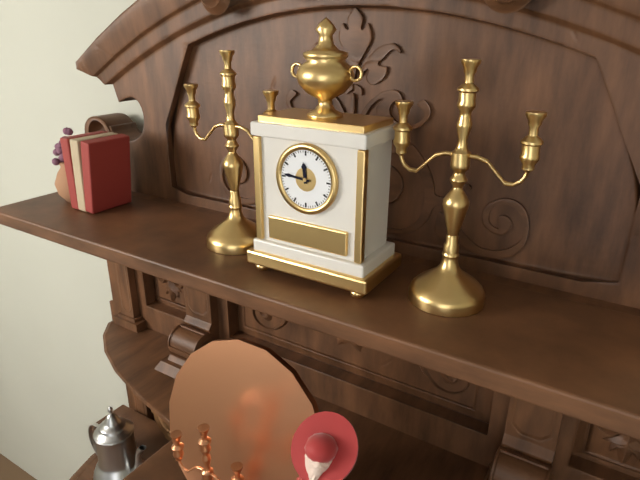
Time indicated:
{"hour": 11, "minute": 46}
